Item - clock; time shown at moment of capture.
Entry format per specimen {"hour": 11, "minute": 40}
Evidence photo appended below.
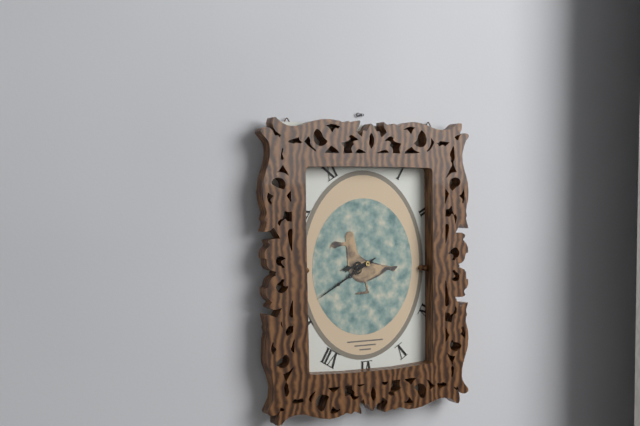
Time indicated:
{"hour": 8, "minute": 40}
